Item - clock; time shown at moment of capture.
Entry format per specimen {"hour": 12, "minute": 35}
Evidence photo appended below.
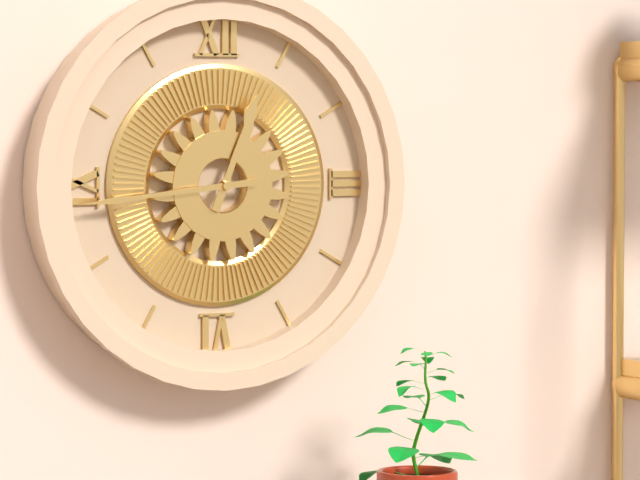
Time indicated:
{"hour": 12, "minute": 44}
